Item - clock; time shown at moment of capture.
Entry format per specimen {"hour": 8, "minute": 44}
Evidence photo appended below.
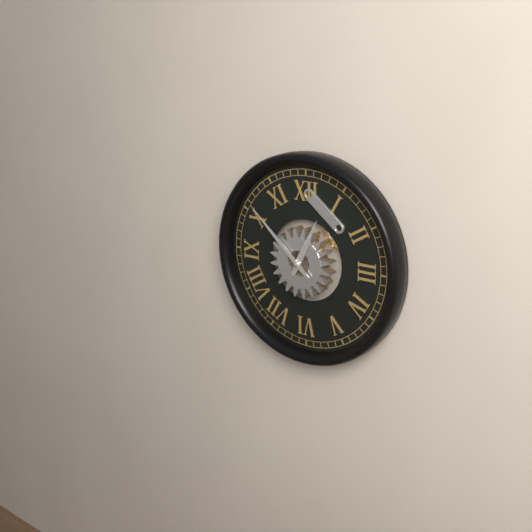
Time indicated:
{"hour": 12, "minute": 52}
